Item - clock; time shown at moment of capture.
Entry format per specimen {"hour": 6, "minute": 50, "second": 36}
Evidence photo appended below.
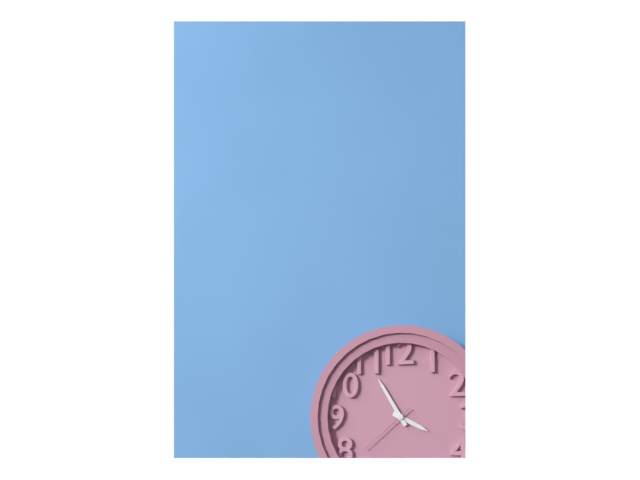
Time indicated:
{"hour": 3, "minute": 55, "second": 38}
